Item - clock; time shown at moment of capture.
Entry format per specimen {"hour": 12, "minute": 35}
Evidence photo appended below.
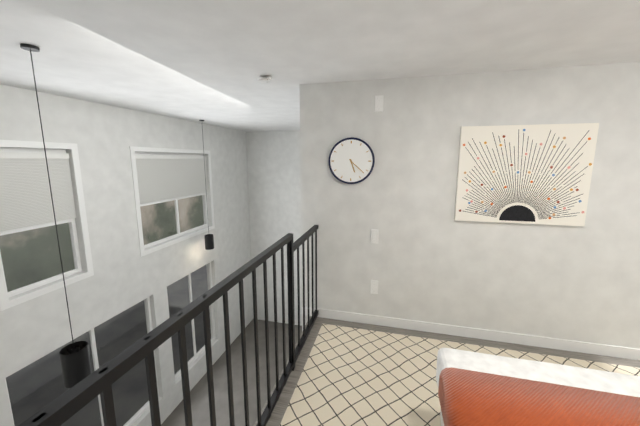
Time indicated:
{"hour": 5, "minute": 22}
